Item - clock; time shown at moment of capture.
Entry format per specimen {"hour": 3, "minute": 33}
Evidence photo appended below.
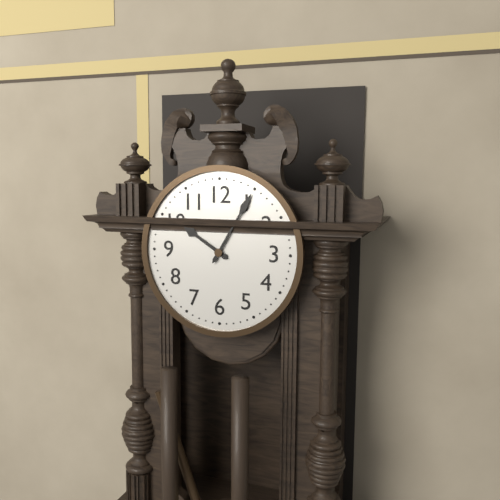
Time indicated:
{"hour": 10, "minute": 5}
